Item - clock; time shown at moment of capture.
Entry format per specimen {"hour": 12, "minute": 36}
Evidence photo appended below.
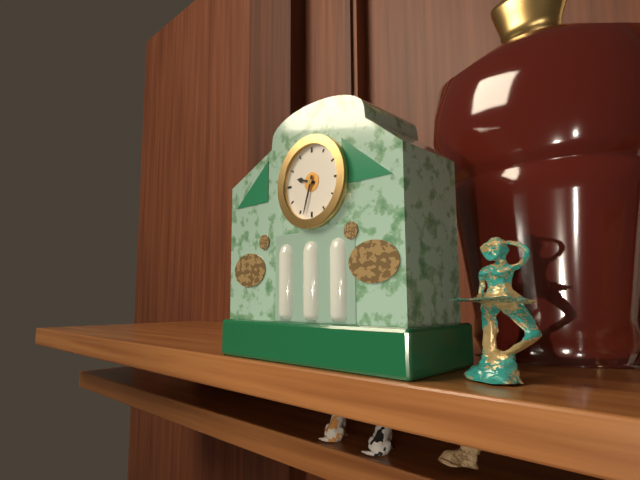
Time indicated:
{"hour": 9, "minute": 33}
